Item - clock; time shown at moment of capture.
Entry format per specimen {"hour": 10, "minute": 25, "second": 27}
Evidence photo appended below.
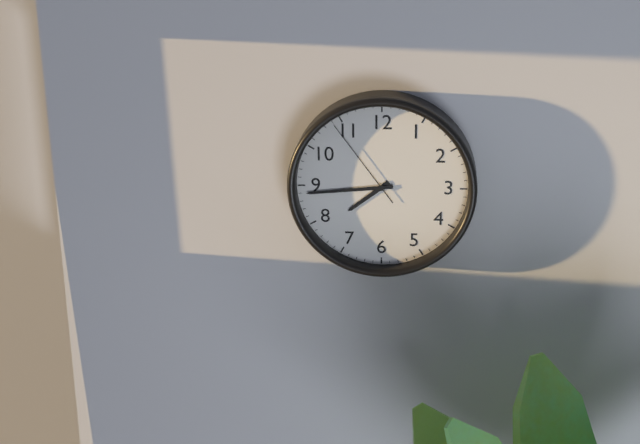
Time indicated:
{"hour": 7, "minute": 44, "second": 54}
